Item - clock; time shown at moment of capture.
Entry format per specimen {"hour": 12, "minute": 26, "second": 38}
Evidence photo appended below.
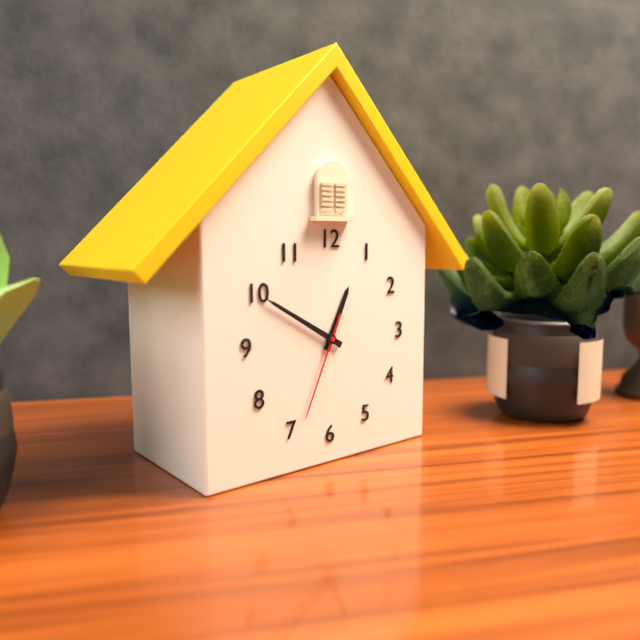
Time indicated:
{"hour": 12, "minute": 50, "second": 34}
